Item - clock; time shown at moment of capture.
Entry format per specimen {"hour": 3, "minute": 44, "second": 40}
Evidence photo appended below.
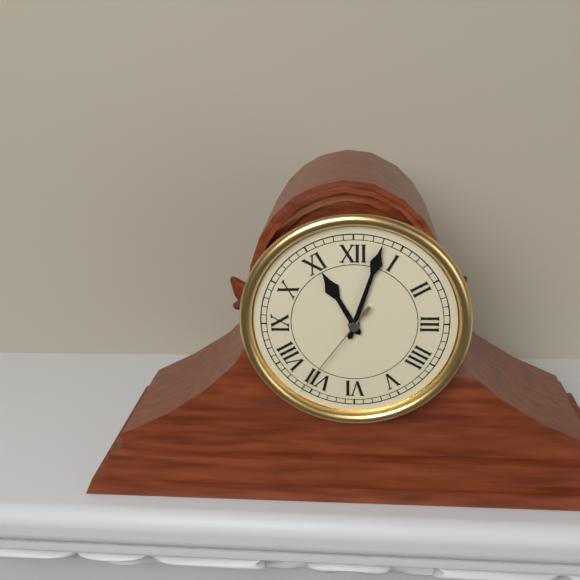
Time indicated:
{"hour": 11, "minute": 3, "second": 36}
